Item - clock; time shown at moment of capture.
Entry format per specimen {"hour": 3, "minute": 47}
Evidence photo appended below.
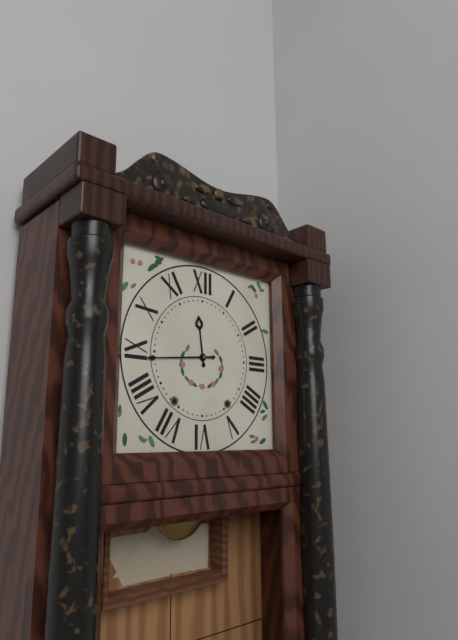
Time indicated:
{"hour": 11, "minute": 44}
